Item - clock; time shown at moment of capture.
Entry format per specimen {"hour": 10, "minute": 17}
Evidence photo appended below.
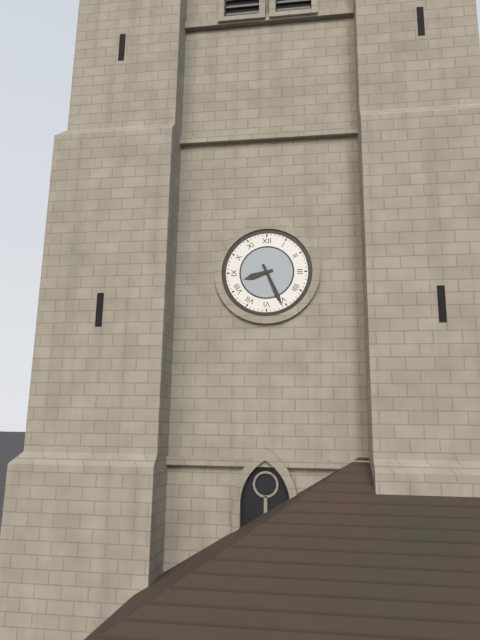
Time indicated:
{"hour": 8, "minute": 26}
